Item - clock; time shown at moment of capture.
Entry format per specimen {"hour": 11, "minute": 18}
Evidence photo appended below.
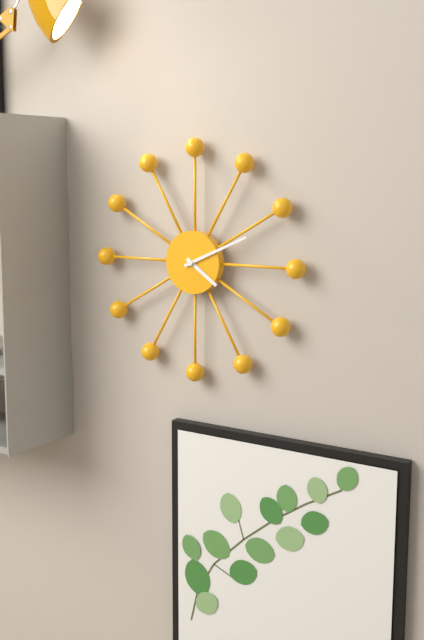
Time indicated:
{"hour": 4, "minute": 11}
